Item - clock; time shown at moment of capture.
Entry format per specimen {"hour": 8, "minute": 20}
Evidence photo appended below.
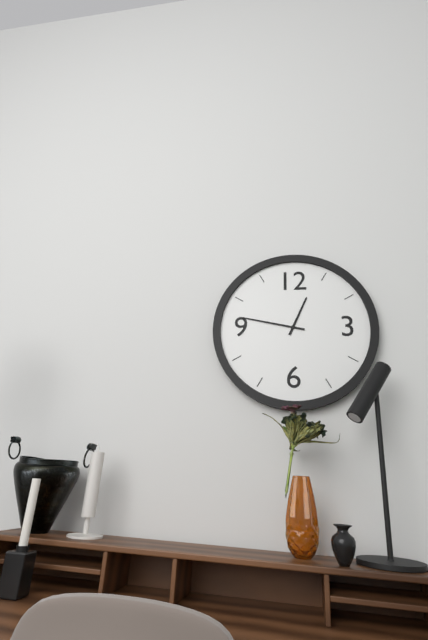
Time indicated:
{"hour": 12, "minute": 47}
